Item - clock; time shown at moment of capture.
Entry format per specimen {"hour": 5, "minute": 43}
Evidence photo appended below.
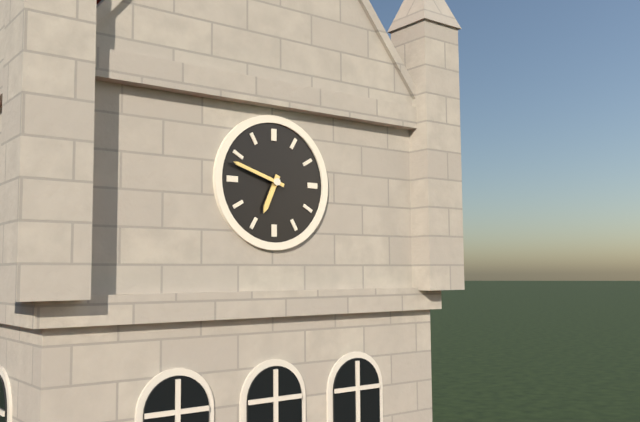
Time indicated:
{"hour": 6, "minute": 48}
